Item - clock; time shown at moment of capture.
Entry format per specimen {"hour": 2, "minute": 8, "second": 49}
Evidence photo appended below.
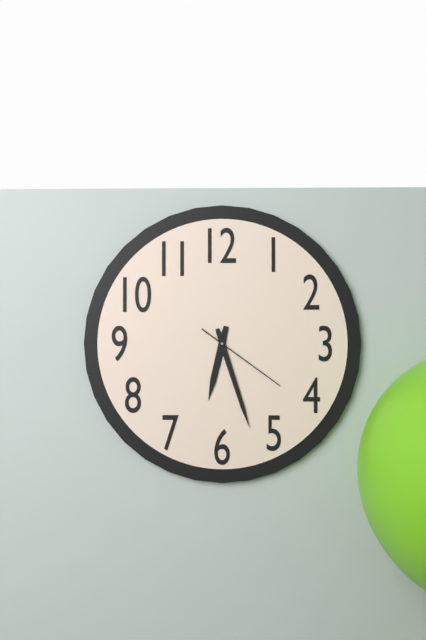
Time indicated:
{"hour": 6, "minute": 27, "second": 21}
